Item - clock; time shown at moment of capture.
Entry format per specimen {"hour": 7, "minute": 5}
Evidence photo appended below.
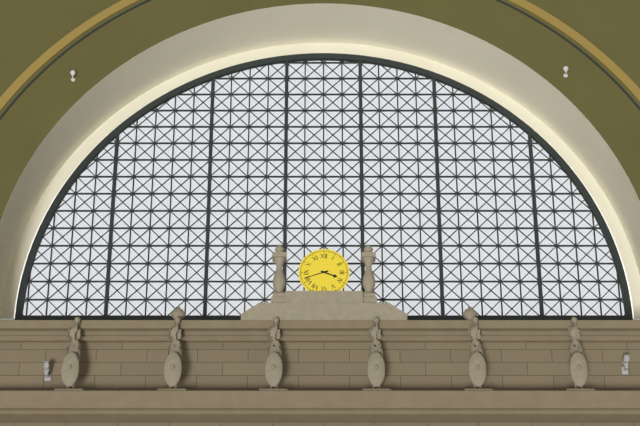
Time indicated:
{"hour": 3, "minute": 42}
